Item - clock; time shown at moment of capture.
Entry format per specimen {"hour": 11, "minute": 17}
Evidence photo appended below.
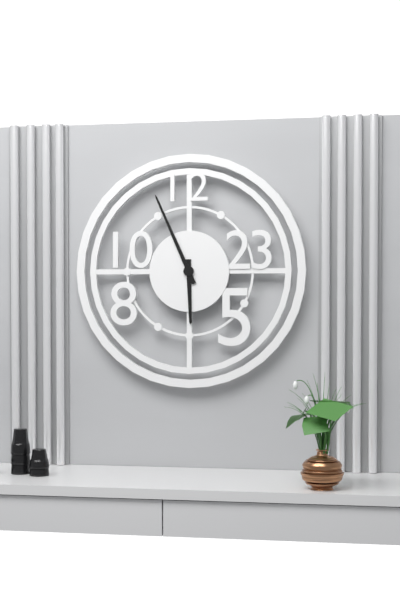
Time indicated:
{"hour": 5, "minute": 56}
